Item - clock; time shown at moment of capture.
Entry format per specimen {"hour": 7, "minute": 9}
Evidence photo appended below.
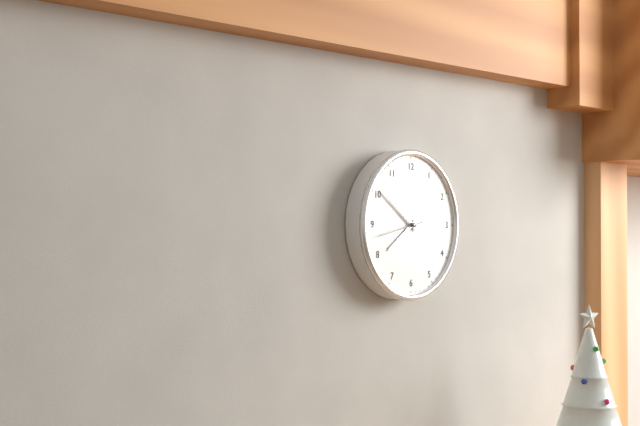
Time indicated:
{"hour": 7, "minute": 51}
